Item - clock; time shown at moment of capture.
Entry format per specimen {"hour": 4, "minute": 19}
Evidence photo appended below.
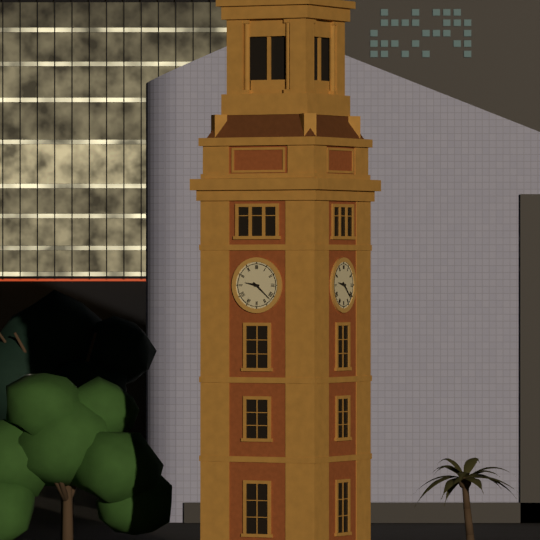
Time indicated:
{"hour": 9, "minute": 22}
